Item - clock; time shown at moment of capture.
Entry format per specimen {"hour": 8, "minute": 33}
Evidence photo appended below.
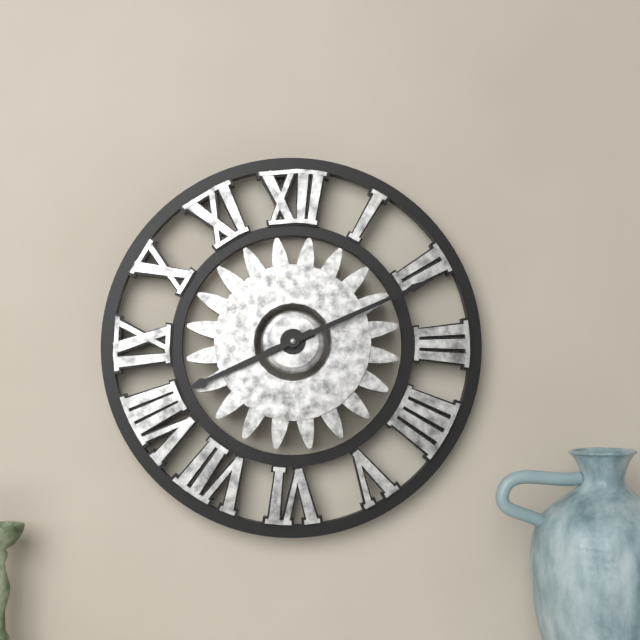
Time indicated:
{"hour": 8, "minute": 11}
